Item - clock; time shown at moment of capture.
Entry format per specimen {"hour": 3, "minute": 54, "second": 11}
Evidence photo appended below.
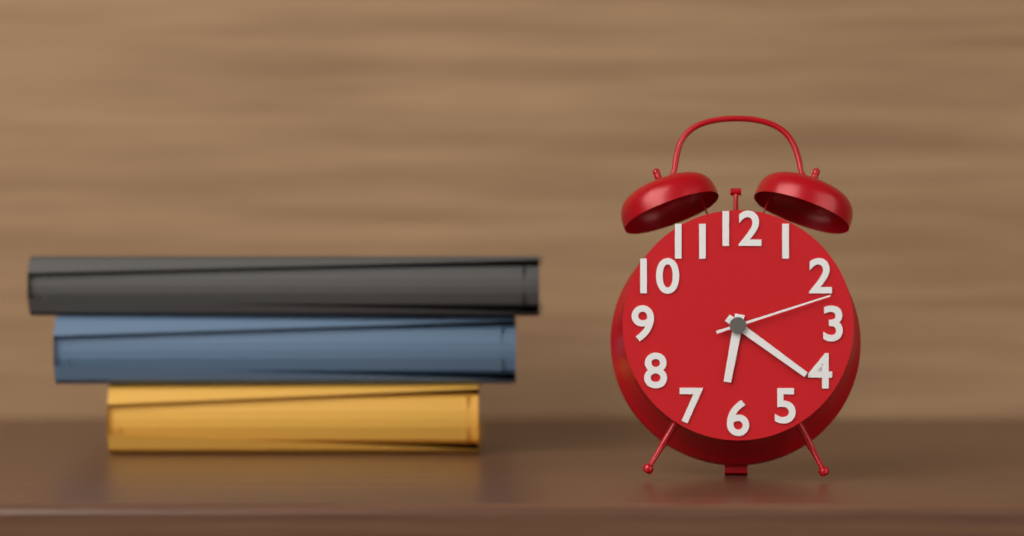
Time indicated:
{"hour": 6, "minute": 21, "second": 12}
